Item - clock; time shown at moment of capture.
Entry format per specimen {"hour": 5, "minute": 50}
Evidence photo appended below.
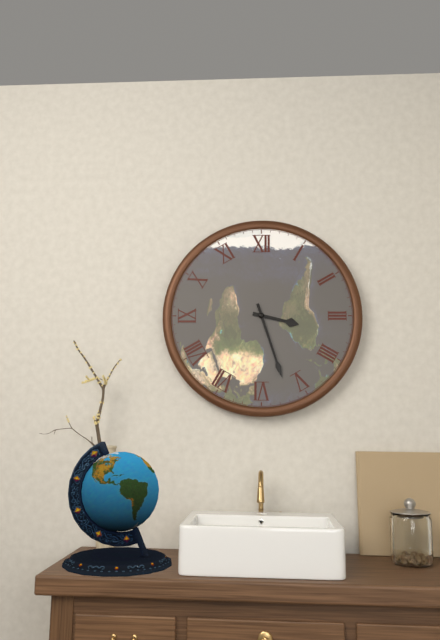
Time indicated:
{"hour": 3, "minute": 27}
